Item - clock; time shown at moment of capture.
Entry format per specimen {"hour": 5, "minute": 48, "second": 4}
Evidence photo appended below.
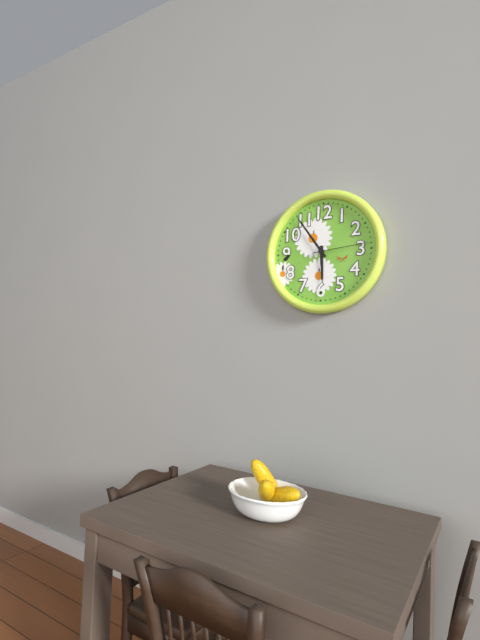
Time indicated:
{"hour": 5, "minute": 54, "second": 14}
